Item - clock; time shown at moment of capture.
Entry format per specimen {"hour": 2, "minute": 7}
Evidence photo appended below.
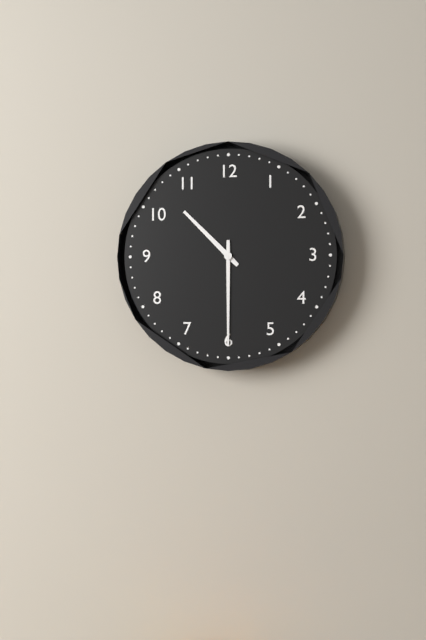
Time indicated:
{"hour": 10, "minute": 30}
